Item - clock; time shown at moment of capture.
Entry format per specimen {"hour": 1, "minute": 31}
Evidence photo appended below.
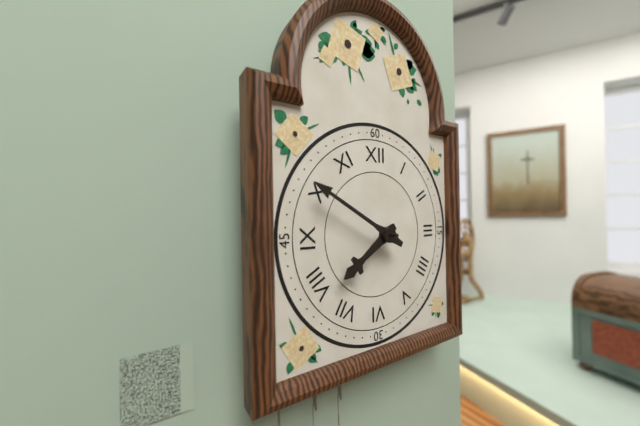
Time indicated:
{"hour": 7, "minute": 50}
